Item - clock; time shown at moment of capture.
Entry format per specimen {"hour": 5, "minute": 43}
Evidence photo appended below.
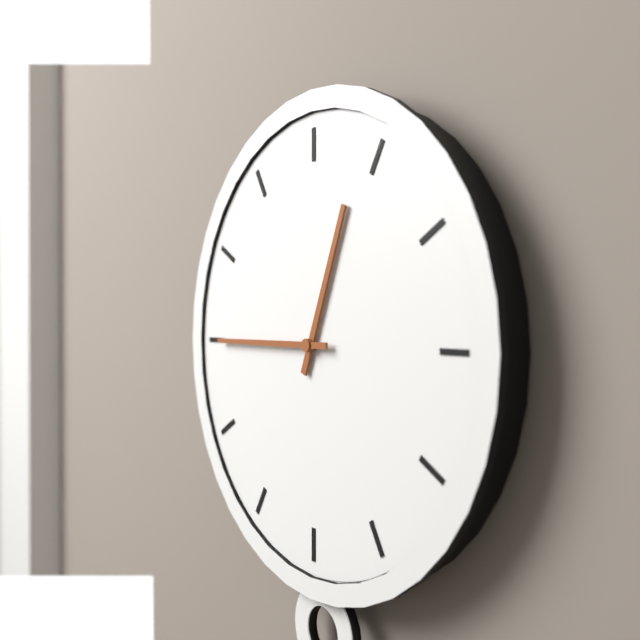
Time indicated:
{"hour": 12, "minute": 45}
